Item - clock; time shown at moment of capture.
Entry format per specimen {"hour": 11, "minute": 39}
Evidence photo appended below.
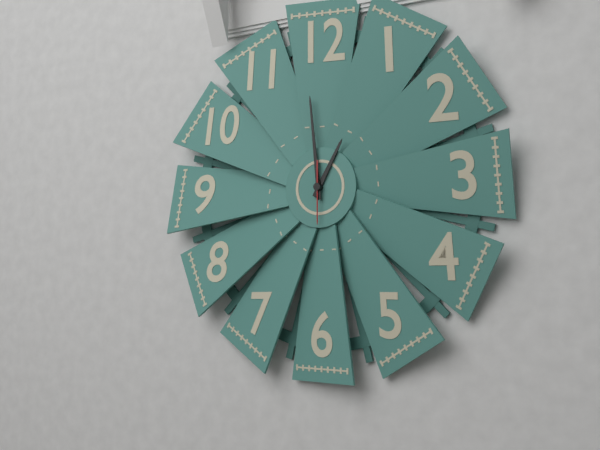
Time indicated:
{"hour": 12, "minute": 59}
